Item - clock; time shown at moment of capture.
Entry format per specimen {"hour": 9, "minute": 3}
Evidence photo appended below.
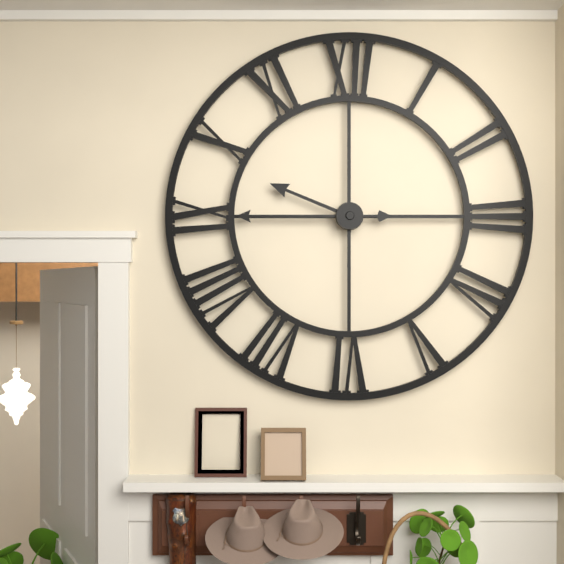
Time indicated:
{"hour": 9, "minute": 45}
